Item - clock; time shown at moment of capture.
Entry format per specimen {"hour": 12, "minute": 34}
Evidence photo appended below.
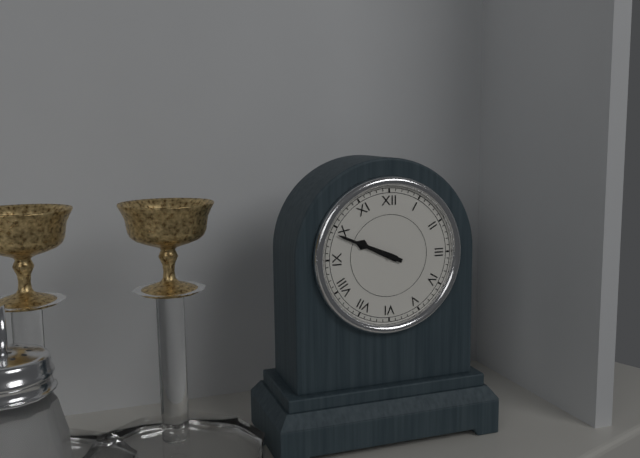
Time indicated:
{"hour": 9, "minute": 49}
